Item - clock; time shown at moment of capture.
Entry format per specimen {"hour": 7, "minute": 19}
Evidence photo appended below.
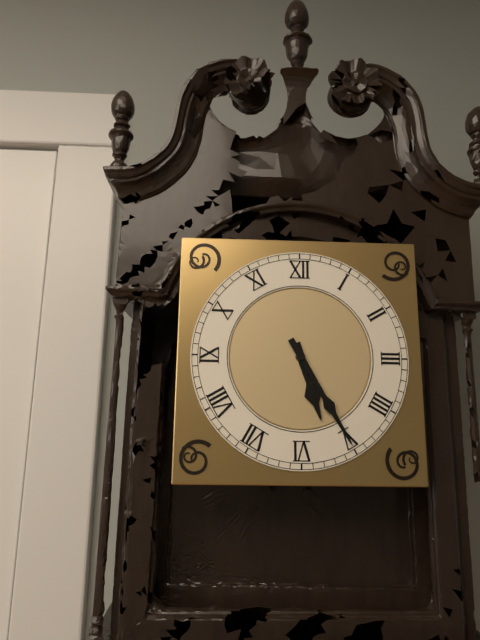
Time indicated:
{"hour": 5, "minute": 25}
